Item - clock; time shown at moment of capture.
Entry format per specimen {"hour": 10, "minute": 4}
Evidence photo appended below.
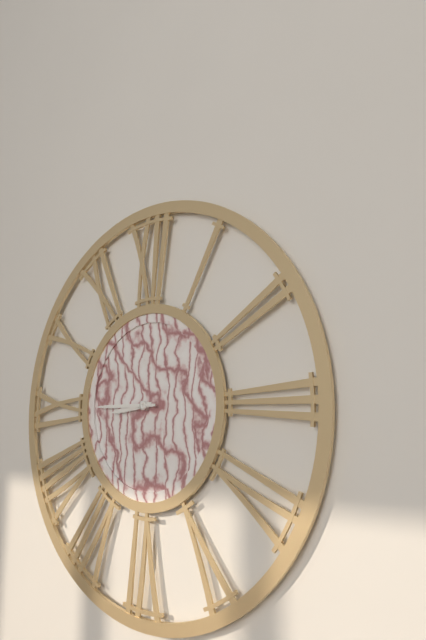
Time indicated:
{"hour": 8, "minute": 45}
